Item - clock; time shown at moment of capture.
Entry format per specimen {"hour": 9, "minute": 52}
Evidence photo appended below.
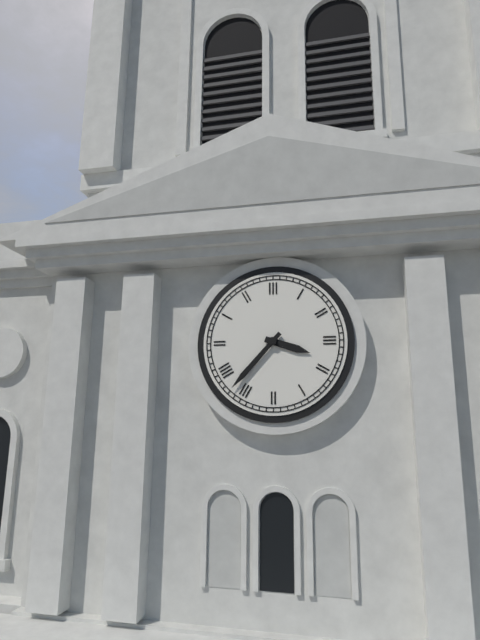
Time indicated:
{"hour": 3, "minute": 37}
